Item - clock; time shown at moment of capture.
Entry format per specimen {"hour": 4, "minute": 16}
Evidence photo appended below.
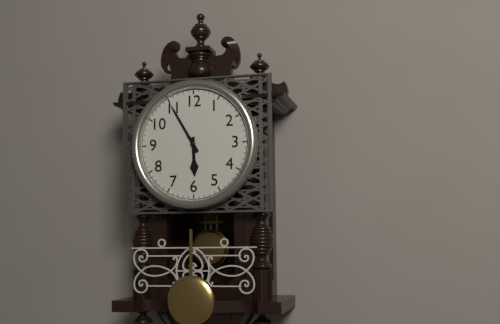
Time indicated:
{"hour": 5, "minute": 55}
